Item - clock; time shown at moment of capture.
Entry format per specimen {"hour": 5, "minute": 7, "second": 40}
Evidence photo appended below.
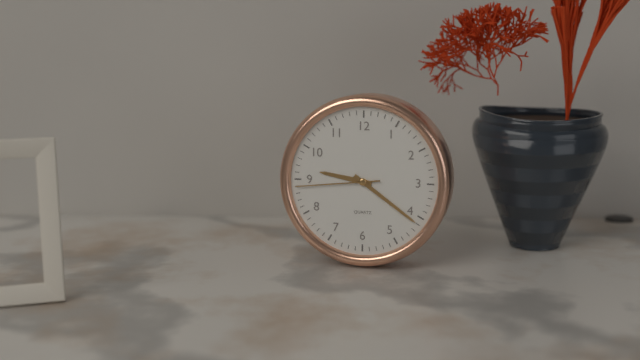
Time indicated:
{"hour": 9, "minute": 21, "second": 44}
